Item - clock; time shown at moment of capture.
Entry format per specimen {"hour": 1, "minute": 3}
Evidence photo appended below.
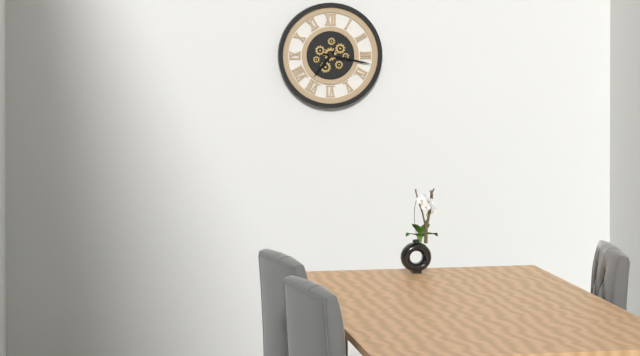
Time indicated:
{"hour": 7, "minute": 17}
